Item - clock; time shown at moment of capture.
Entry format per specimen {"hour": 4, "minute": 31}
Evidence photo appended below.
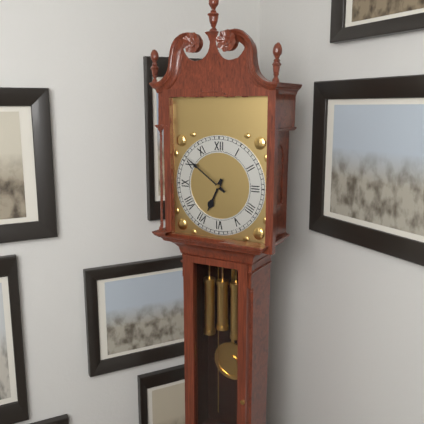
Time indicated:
{"hour": 6, "minute": 51}
